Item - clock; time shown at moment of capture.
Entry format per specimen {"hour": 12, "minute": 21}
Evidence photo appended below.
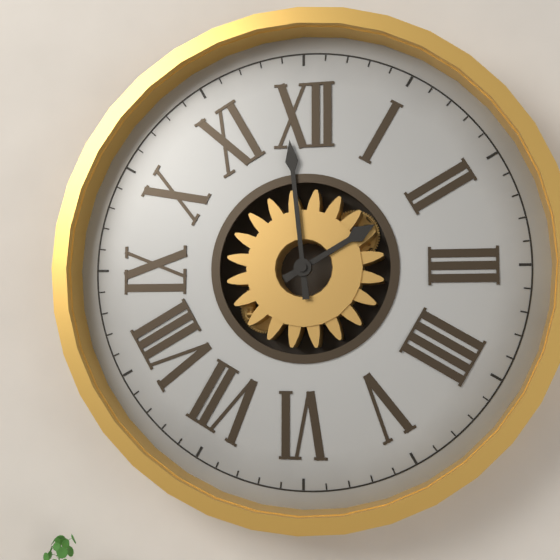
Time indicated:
{"hour": 1, "minute": 59}
